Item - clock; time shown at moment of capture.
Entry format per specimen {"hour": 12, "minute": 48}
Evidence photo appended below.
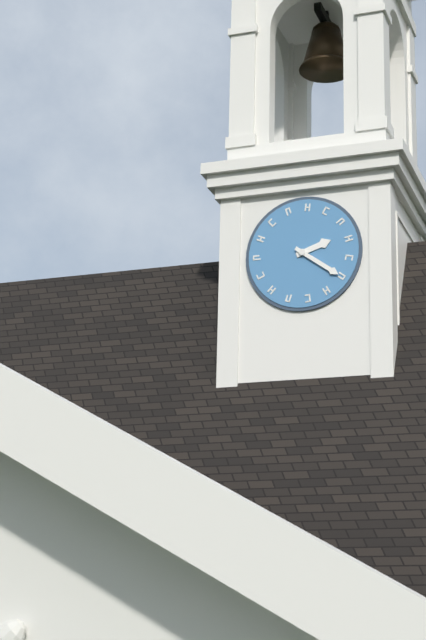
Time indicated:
{"hour": 2, "minute": 21}
